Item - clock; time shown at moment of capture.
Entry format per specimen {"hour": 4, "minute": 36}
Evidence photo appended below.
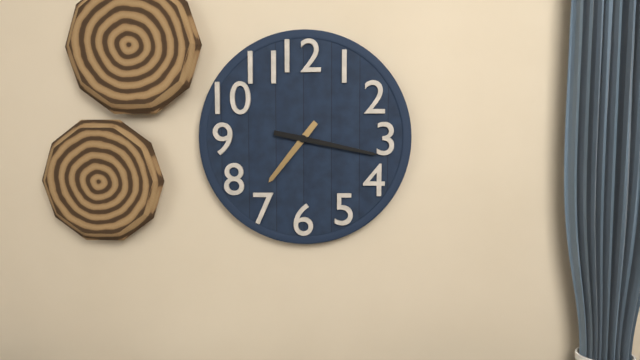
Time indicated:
{"hour": 7, "minute": 17}
